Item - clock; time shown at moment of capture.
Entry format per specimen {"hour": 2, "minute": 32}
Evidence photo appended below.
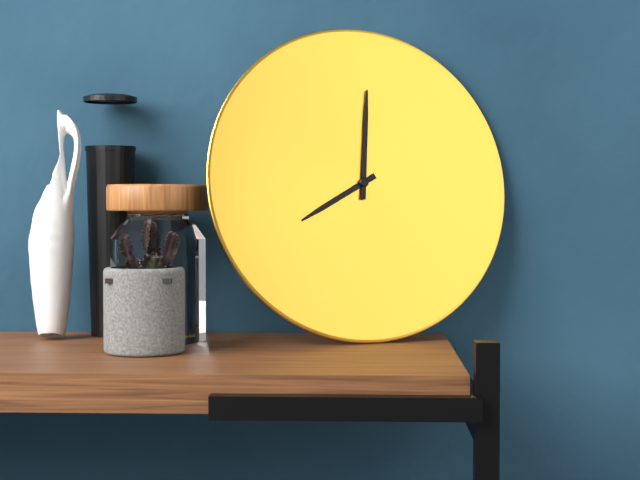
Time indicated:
{"hour": 8, "minute": 1}
